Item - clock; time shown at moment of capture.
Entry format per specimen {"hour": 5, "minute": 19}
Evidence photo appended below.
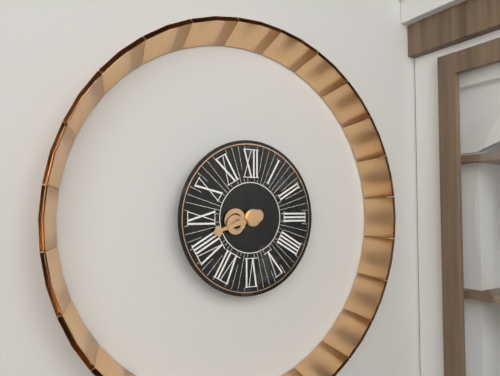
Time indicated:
{"hour": 8, "minute": 42}
